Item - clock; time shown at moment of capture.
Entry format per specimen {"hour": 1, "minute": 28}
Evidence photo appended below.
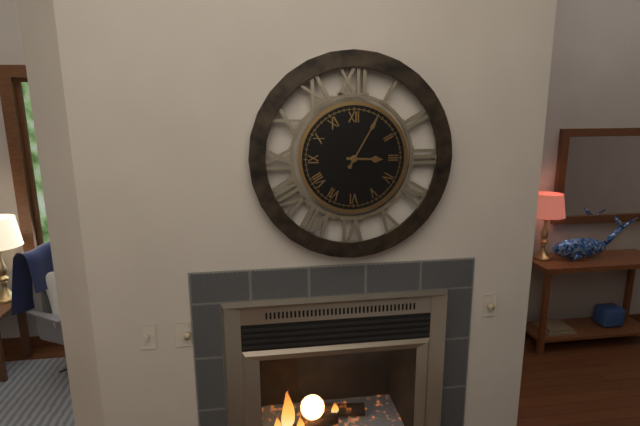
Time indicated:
{"hour": 3, "minute": 5}
